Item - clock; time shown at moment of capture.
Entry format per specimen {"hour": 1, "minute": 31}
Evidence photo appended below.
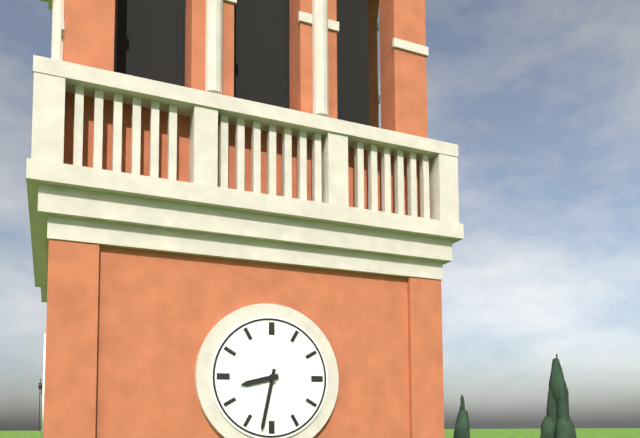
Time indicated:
{"hour": 8, "minute": 32}
